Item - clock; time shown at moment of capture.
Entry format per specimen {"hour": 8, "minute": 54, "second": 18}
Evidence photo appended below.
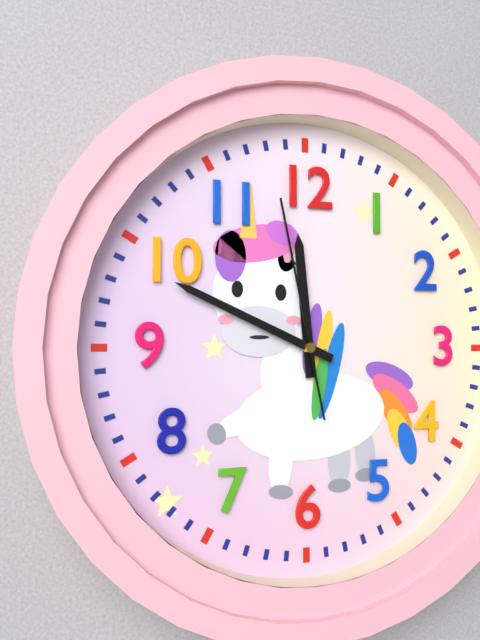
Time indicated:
{"hour": 11, "minute": 49, "second": 58}
